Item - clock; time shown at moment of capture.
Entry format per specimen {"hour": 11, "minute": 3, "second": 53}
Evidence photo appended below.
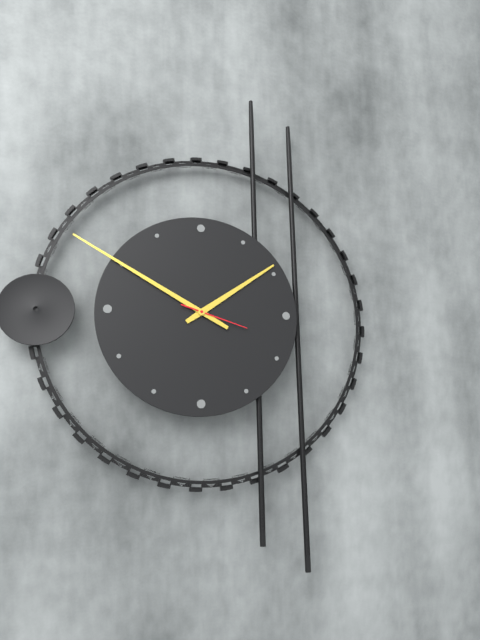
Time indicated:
{"hour": 1, "minute": 50, "second": 18}
